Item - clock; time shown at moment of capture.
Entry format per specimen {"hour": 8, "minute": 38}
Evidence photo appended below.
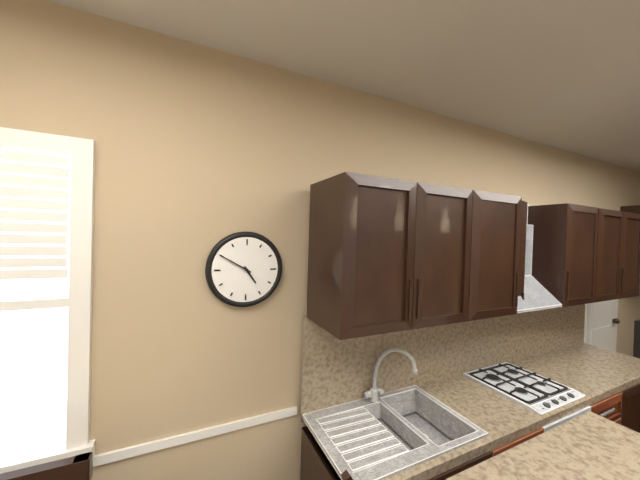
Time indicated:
{"hour": 4, "minute": 50}
